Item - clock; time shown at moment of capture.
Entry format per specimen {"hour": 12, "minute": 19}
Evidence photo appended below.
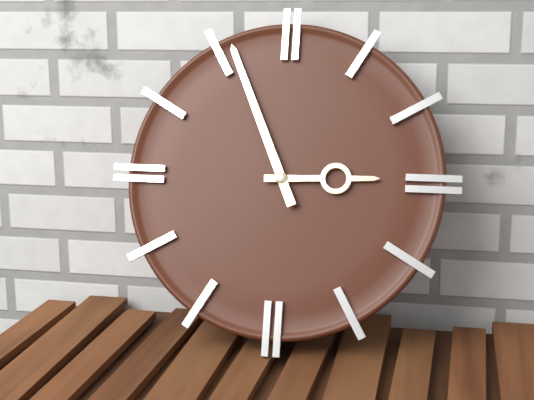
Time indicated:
{"hour": 2, "minute": 56}
